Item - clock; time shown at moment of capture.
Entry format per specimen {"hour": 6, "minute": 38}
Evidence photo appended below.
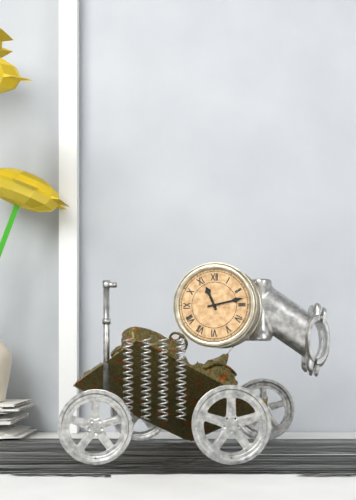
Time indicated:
{"hour": 11, "minute": 13}
